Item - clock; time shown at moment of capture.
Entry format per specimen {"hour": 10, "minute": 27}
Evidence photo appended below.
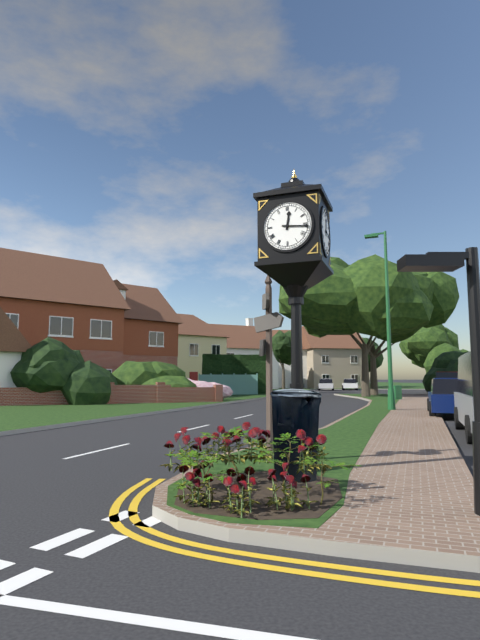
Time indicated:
{"hour": 12, "minute": 16}
